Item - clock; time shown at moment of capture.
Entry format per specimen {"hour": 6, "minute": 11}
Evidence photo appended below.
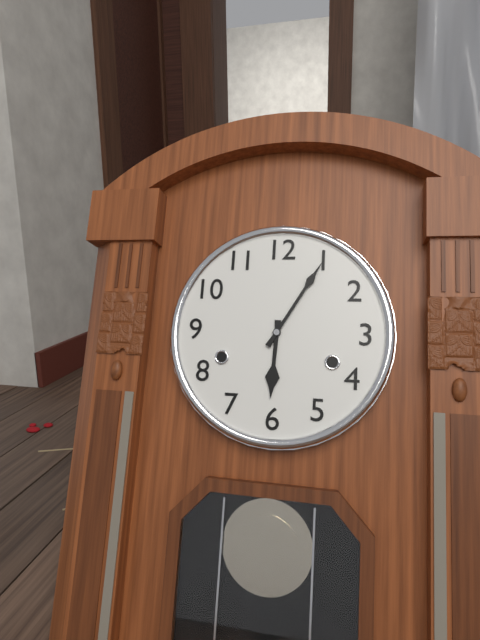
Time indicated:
{"hour": 6, "minute": 5}
